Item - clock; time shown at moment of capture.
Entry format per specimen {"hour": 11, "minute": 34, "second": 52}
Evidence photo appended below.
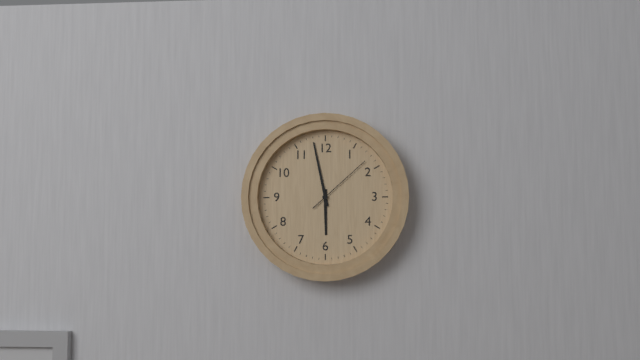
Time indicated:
{"hour": 5, "minute": 58, "second": 8}
